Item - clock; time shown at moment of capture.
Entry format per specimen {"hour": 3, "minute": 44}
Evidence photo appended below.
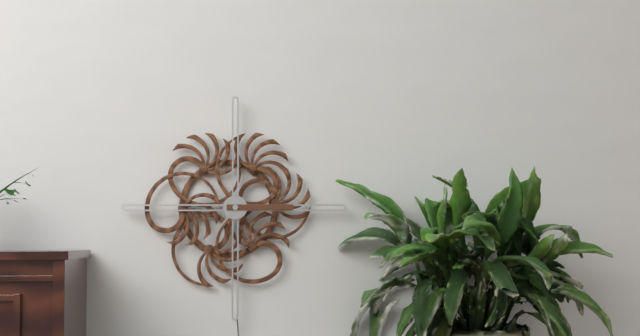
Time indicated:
{"hour": 7, "minute": 15}
